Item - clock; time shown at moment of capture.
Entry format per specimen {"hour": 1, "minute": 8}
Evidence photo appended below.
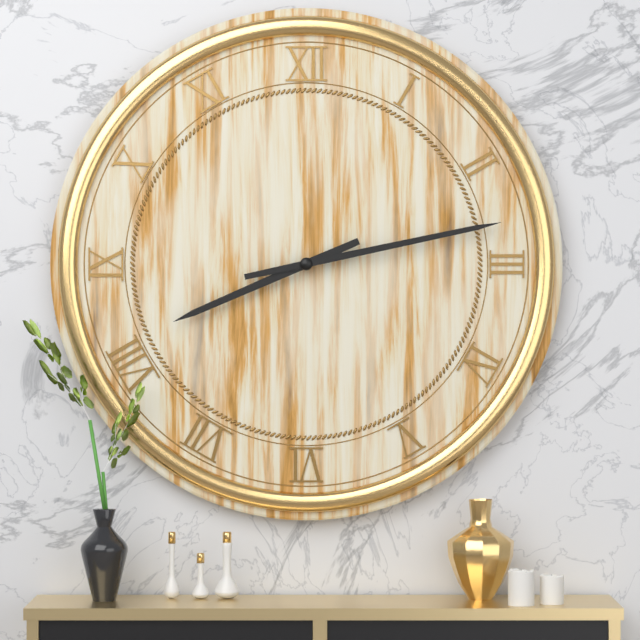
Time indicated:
{"hour": 8, "minute": 13}
